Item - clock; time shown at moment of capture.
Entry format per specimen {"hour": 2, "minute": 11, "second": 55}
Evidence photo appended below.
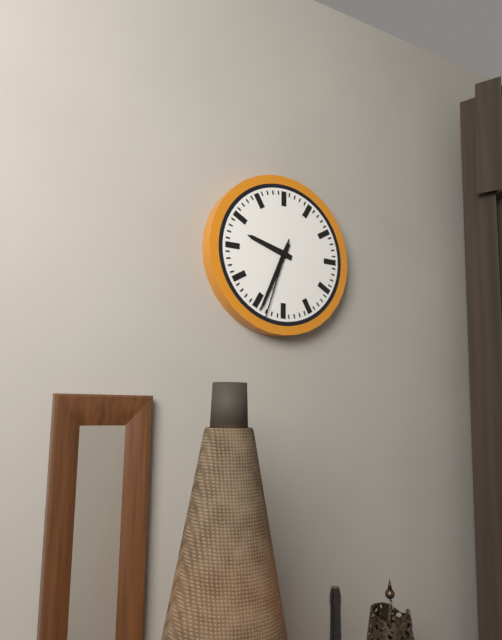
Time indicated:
{"hour": 9, "minute": 34, "second": 33}
